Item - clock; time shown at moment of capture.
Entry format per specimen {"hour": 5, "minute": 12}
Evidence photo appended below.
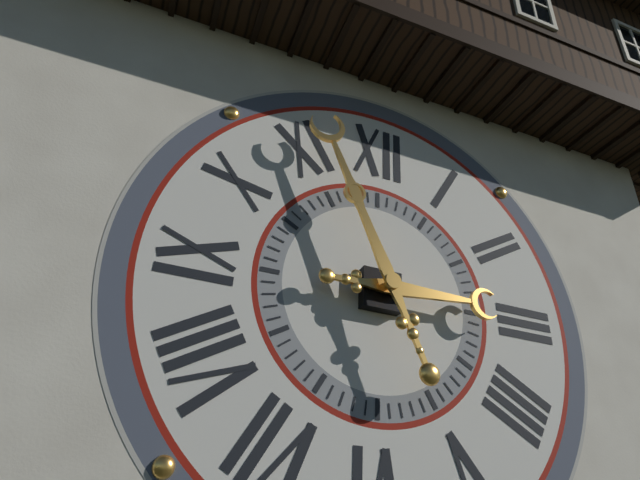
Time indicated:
{"hour": 2, "minute": 56}
